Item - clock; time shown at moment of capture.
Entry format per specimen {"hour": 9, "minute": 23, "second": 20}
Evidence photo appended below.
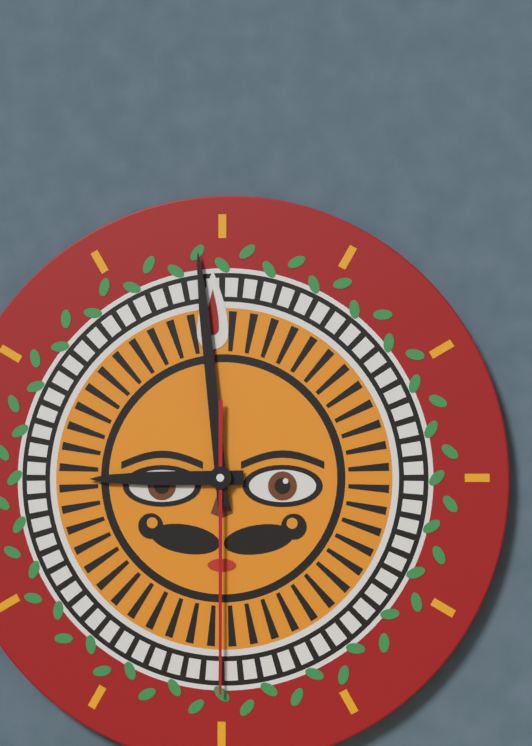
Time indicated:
{"hour": 8, "minute": 59, "second": 30}
